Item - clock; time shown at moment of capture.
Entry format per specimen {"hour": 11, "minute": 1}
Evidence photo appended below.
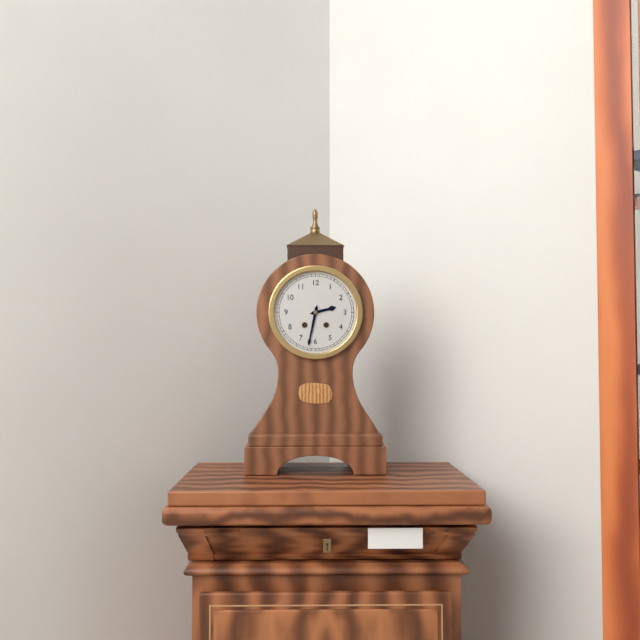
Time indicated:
{"hour": 2, "minute": 32}
